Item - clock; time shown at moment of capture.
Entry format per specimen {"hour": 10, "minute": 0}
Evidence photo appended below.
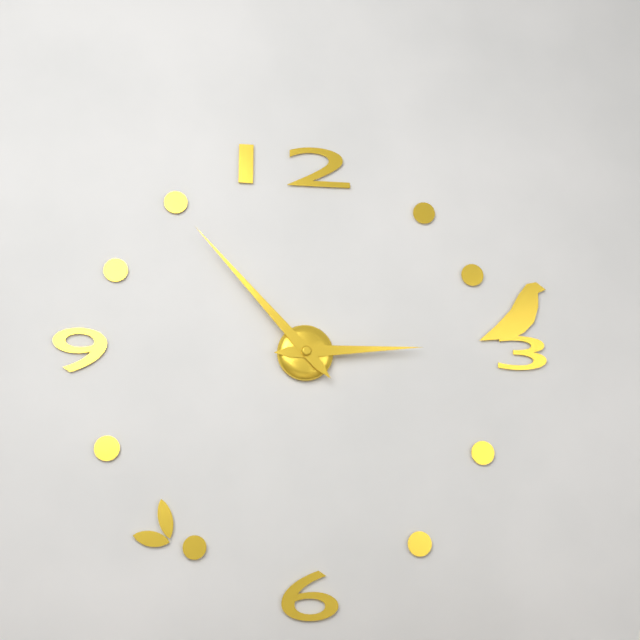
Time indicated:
{"hour": 2, "minute": 53}
